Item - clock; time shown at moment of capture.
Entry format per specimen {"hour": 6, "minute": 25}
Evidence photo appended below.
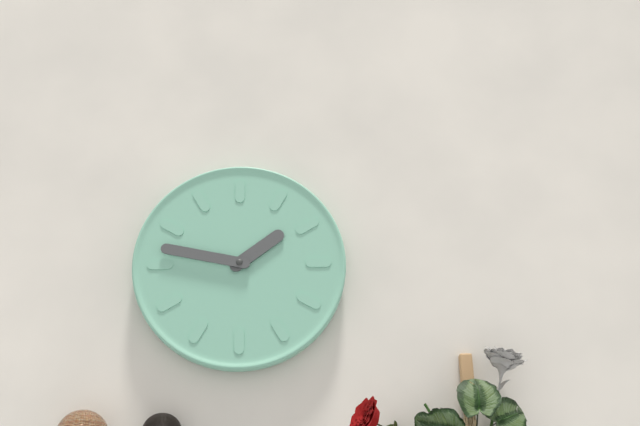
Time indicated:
{"hour": 1, "minute": 47}
